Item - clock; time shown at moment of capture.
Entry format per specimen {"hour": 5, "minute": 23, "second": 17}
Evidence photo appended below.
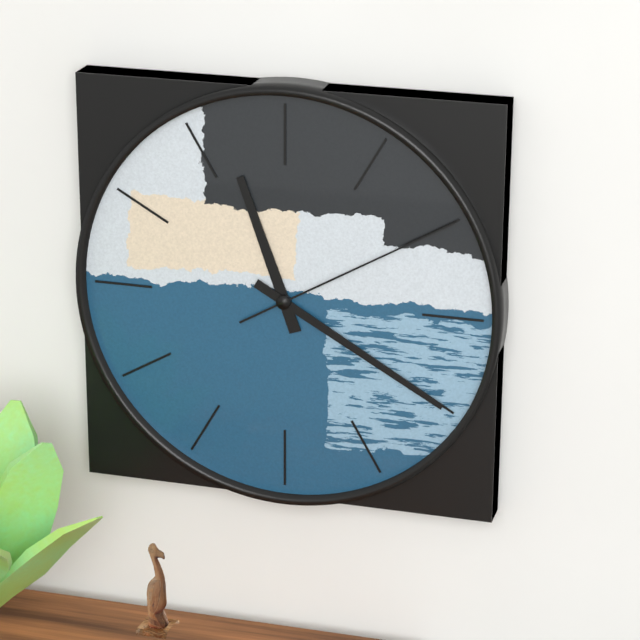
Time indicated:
{"hour": 11, "minute": 20, "second": 10}
